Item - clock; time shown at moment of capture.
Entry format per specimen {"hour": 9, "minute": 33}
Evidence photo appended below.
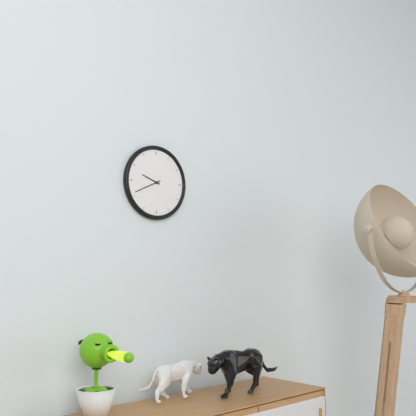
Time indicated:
{"hour": 9, "minute": 41}
